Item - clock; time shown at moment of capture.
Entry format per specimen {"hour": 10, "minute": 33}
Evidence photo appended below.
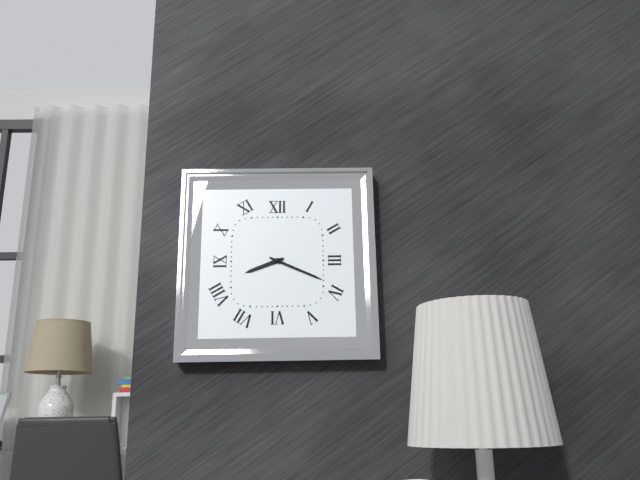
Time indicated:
{"hour": 8, "minute": 19}
